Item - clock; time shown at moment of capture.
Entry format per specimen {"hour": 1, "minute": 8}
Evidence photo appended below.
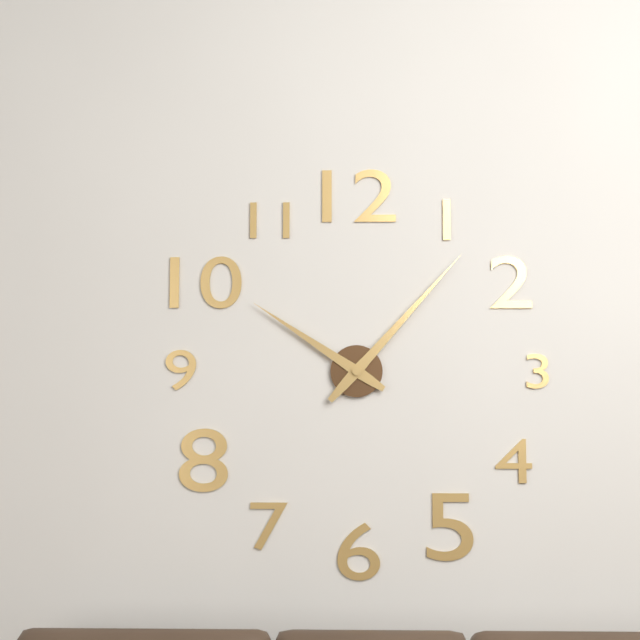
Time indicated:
{"hour": 10, "minute": 7}
